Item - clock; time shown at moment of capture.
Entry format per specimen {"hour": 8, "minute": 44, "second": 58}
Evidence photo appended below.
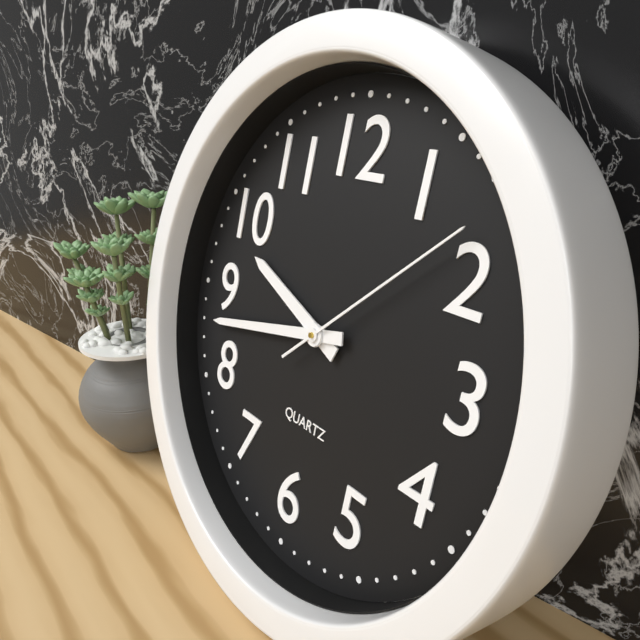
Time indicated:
{"hour": 9, "minute": 43, "second": 8}
